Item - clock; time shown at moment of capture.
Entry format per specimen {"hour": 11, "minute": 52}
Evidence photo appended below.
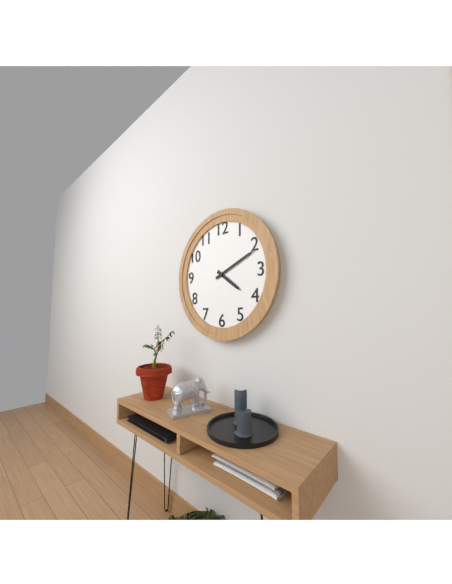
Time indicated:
{"hour": 4, "minute": 11}
